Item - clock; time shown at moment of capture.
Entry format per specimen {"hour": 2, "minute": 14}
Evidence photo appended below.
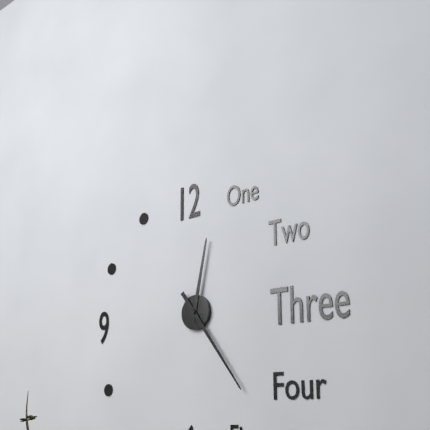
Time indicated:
{"hour": 12, "minute": 24}
